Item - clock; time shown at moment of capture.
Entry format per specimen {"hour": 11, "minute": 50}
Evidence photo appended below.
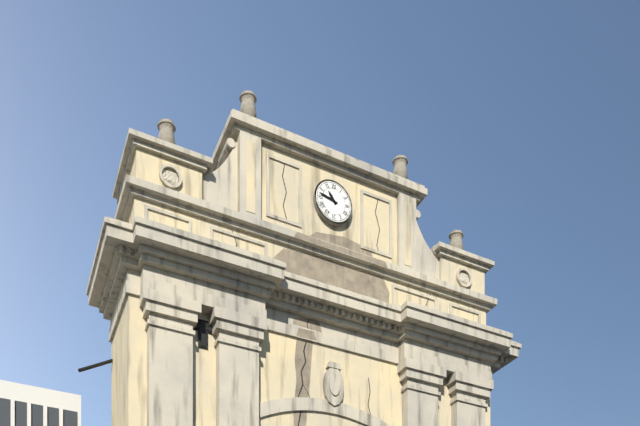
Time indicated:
{"hour": 10, "minute": 47}
